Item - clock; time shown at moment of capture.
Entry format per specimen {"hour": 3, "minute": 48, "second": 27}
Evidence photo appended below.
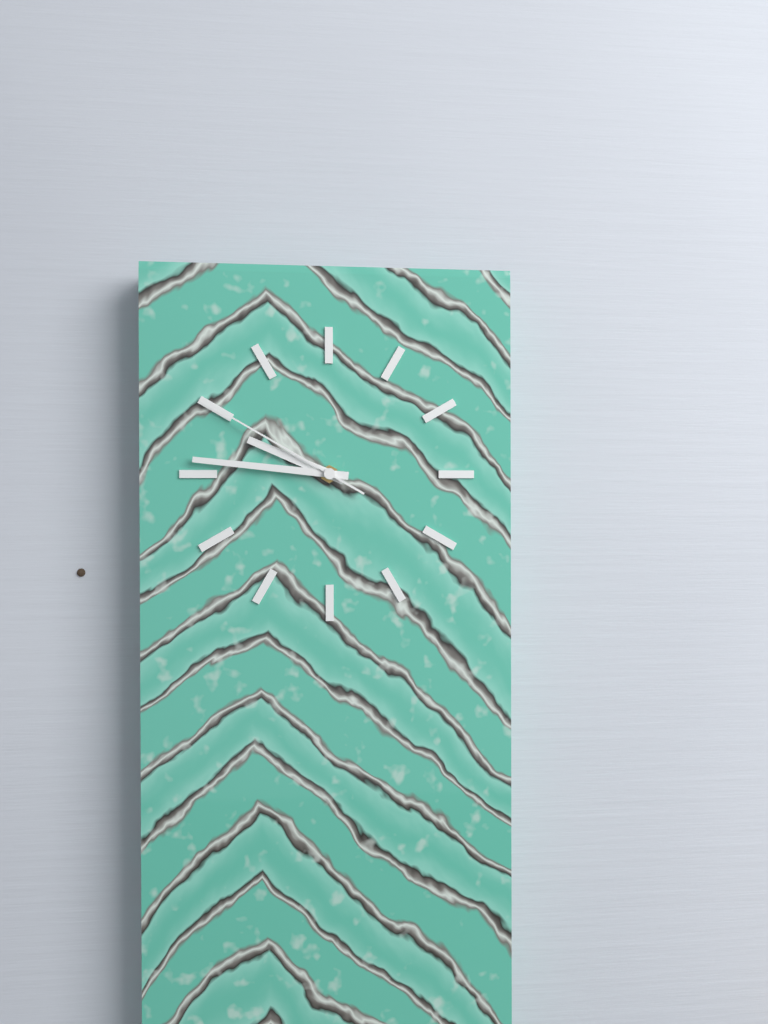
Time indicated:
{"hour": 9, "minute": 46, "second": 50}
